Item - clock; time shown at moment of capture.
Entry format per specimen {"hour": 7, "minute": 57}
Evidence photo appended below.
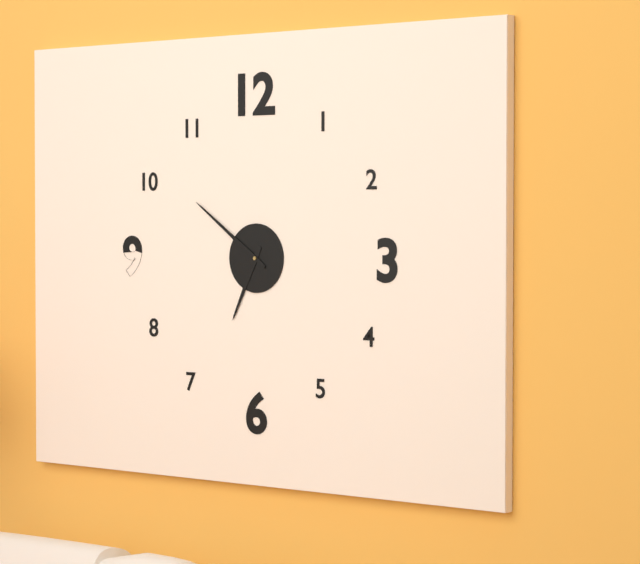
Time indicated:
{"hour": 6, "minute": 51}
